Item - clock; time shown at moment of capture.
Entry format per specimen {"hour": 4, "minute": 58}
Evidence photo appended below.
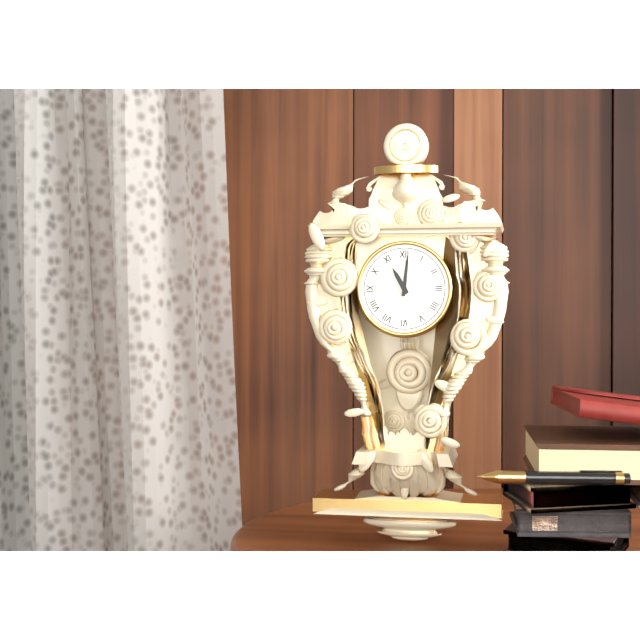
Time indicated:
{"hour": 11, "minute": 1}
